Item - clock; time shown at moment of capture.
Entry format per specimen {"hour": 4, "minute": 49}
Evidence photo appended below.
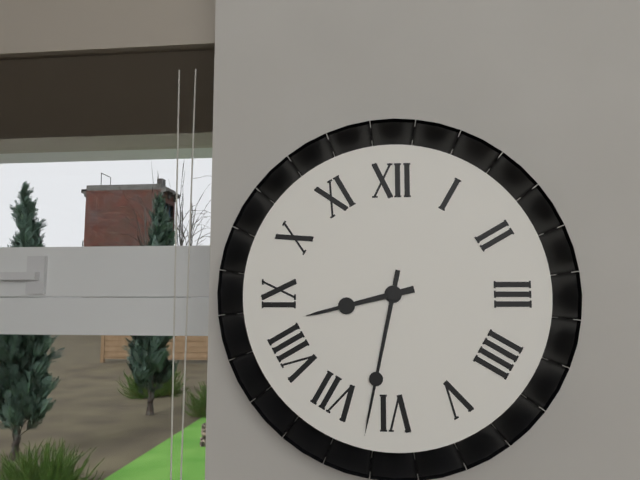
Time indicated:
{"hour": 8, "minute": 32}
